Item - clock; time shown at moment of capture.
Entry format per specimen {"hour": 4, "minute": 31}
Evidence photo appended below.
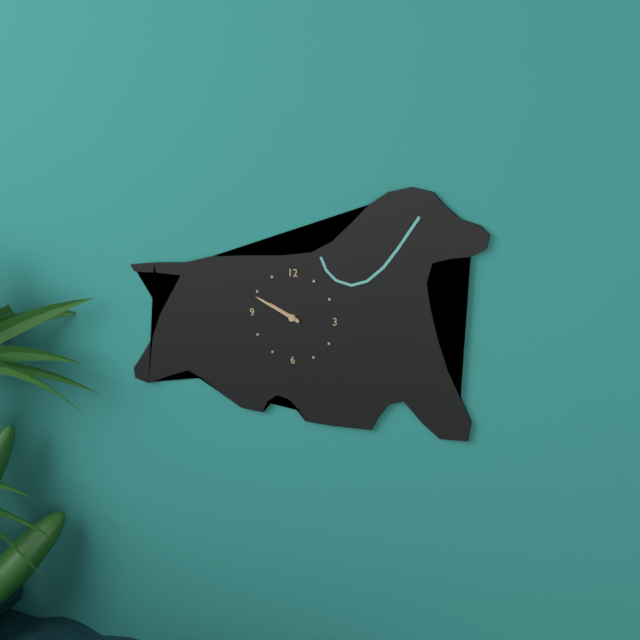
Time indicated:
{"hour": 9, "minute": 49}
